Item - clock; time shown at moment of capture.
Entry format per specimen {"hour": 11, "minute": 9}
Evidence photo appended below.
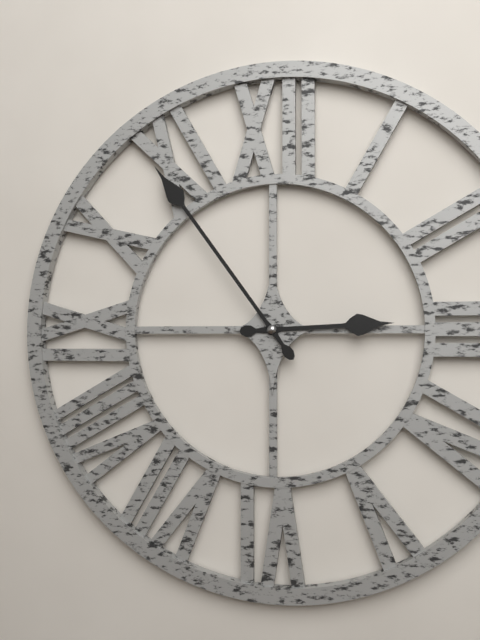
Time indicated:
{"hour": 2, "minute": 54}
